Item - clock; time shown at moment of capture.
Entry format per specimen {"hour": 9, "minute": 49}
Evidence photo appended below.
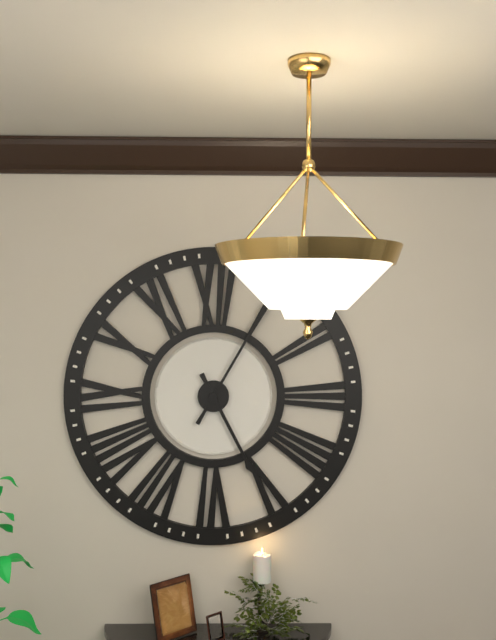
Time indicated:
{"hour": 5, "minute": 5}
